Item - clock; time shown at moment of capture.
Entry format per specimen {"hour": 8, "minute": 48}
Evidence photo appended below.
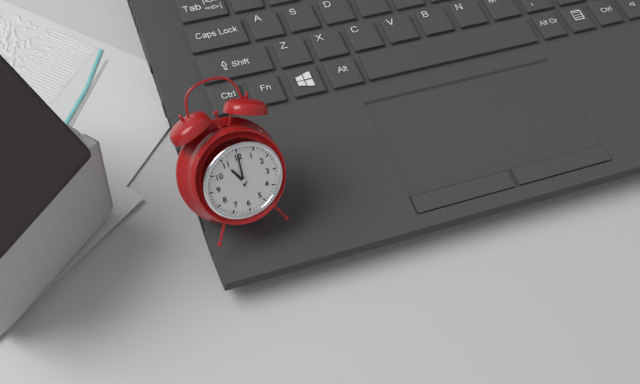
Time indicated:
{"hour": 11, "minute": 0}
